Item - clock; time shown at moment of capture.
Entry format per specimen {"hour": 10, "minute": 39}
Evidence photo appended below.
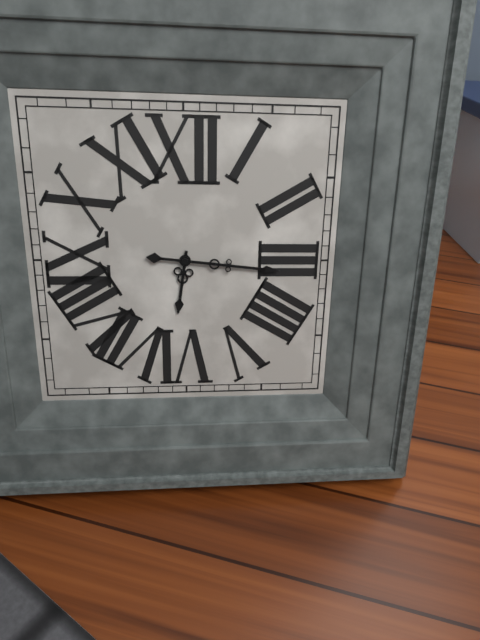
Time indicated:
{"hour": 6, "minute": 16}
